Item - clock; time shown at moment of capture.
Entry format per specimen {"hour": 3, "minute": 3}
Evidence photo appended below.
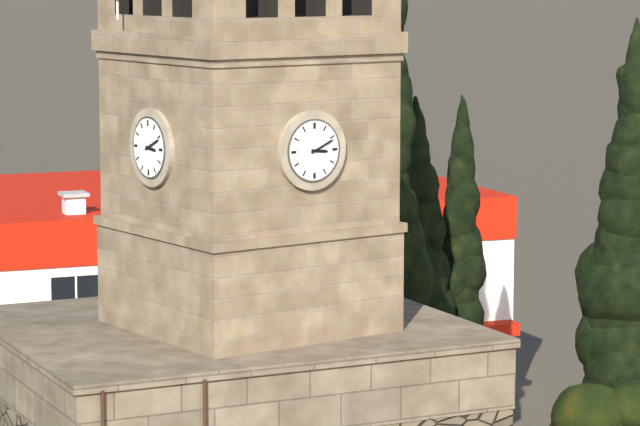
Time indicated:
{"hour": 3, "minute": 11}
